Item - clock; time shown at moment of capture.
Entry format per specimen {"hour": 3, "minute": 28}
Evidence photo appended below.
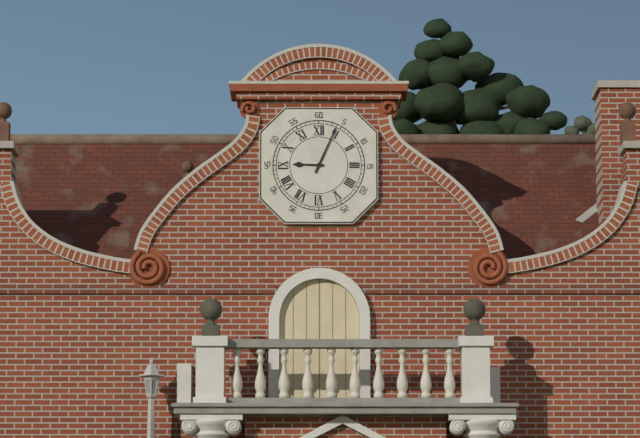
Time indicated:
{"hour": 9, "minute": 4}
